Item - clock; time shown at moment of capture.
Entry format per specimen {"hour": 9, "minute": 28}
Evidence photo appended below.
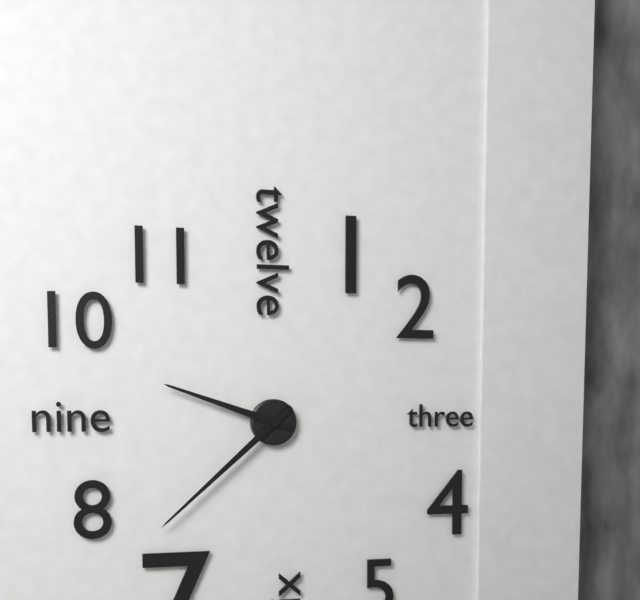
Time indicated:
{"hour": 9, "minute": 38}
